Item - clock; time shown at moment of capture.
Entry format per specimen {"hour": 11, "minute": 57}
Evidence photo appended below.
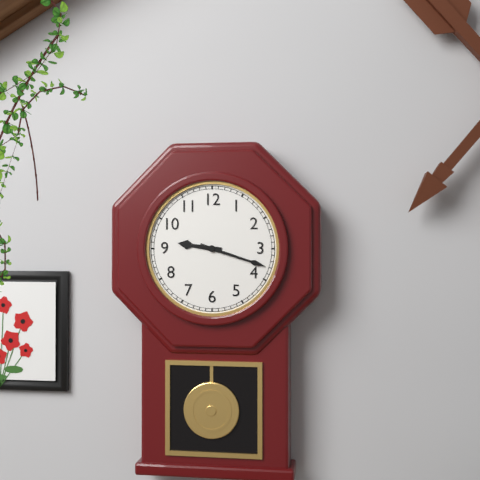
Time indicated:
{"hour": 9, "minute": 18}
